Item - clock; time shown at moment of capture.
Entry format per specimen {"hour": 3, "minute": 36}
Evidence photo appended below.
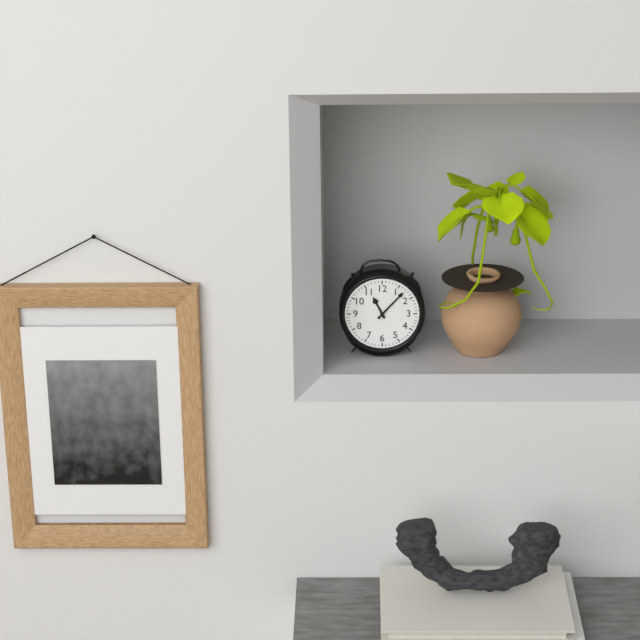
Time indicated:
{"hour": 11, "minute": 7}
